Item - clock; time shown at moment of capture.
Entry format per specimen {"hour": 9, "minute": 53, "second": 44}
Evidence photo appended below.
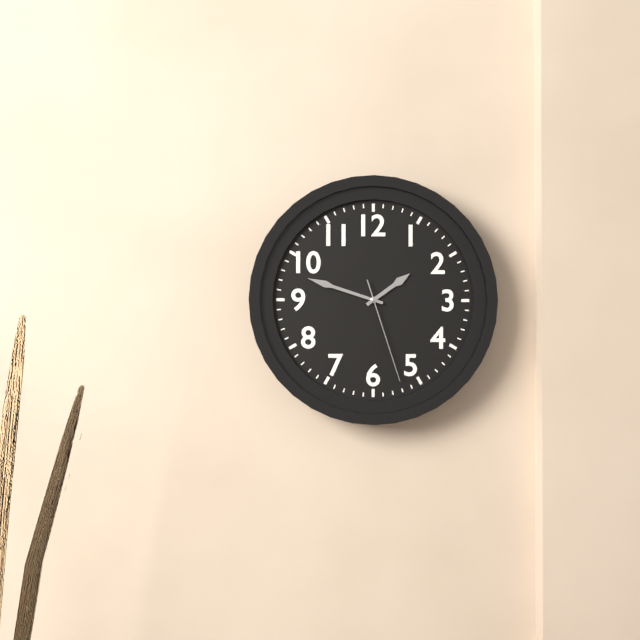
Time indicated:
{"hour": 1, "minute": 48, "second": 27}
